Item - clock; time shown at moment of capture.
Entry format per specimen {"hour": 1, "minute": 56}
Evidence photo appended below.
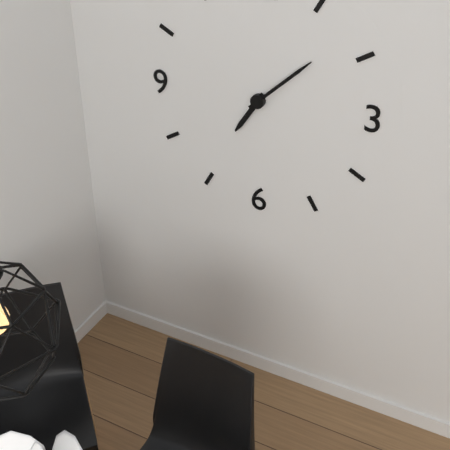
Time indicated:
{"hour": 7, "minute": 8}
